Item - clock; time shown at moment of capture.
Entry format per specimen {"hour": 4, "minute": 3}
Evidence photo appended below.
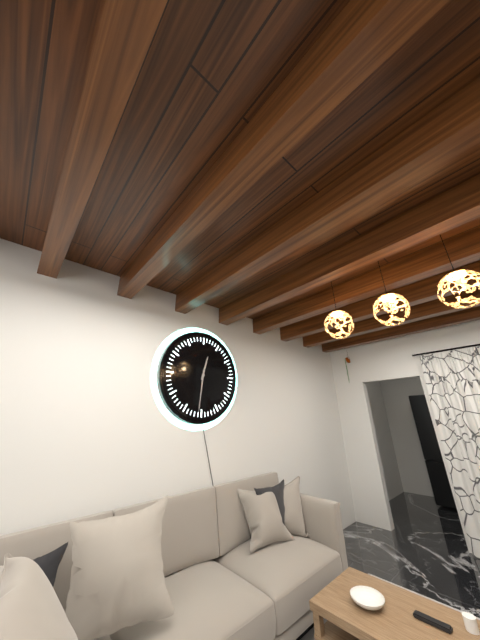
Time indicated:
{"hour": 12, "minute": 31}
